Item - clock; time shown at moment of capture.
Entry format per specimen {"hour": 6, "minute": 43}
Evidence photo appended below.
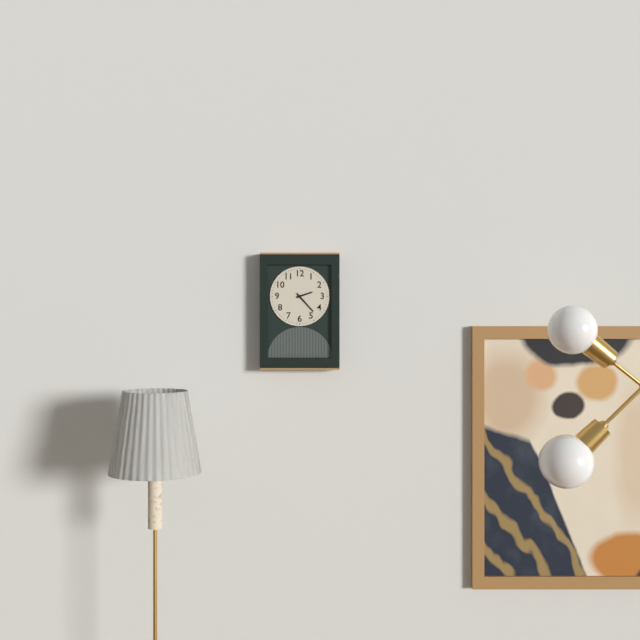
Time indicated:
{"hour": 2, "minute": 23}
